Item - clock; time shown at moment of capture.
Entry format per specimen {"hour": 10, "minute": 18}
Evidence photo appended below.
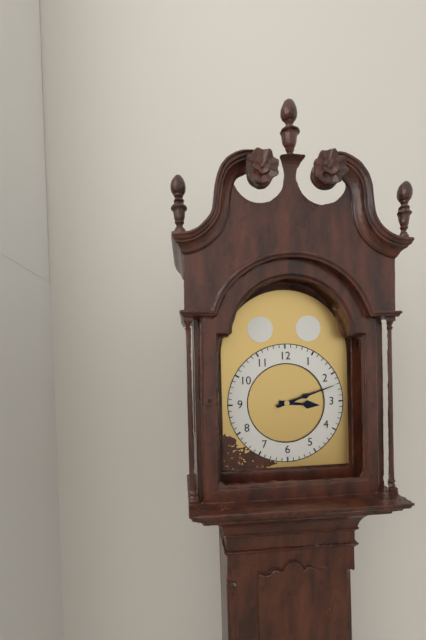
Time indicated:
{"hour": 3, "minute": 12}
